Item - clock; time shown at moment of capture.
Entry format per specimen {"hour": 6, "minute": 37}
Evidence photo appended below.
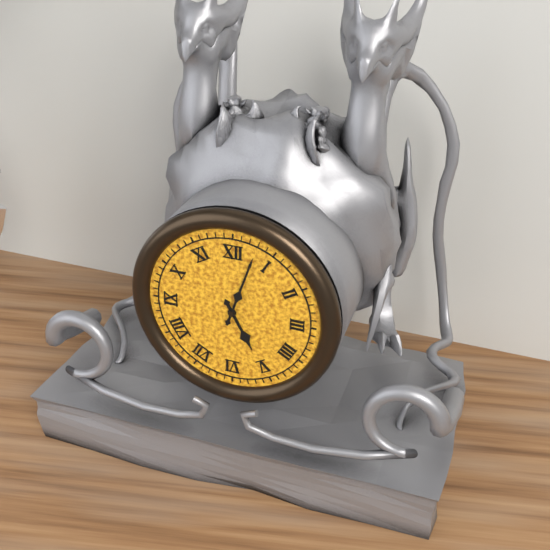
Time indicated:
{"hour": 5, "minute": 3}
